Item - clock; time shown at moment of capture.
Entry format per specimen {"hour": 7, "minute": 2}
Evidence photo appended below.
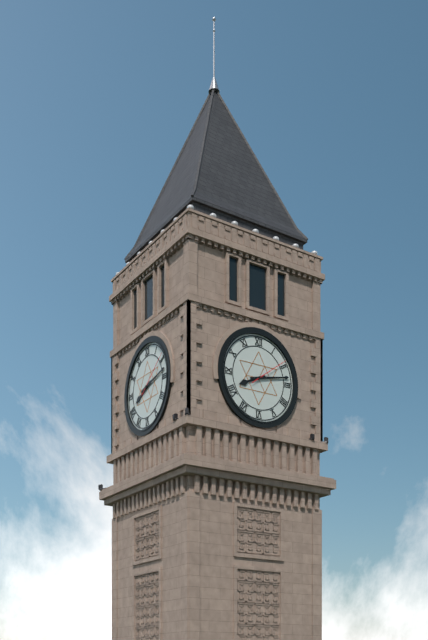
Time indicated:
{"hour": 8, "minute": 13}
